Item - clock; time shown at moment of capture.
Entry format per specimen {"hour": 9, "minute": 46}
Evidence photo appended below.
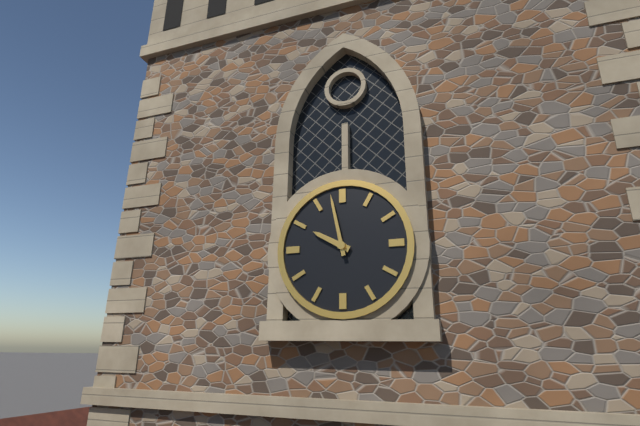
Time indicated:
{"hour": 9, "minute": 58}
